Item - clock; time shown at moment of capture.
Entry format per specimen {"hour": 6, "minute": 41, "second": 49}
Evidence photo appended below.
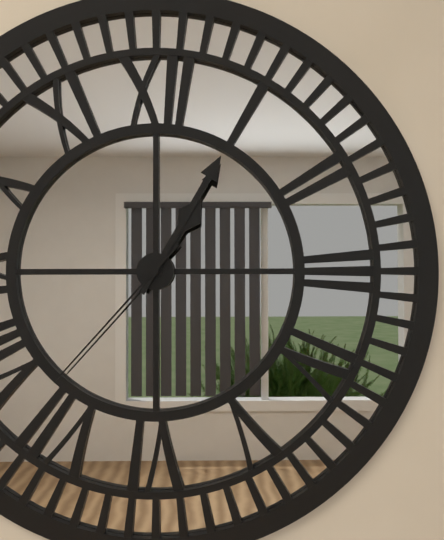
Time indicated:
{"hour": 1, "minute": 5, "second": 37}
